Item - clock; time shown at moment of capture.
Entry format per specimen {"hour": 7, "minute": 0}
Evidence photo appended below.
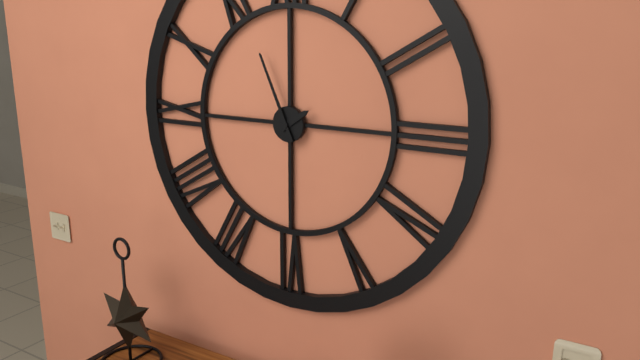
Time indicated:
{"hour": 1, "minute": 56}
